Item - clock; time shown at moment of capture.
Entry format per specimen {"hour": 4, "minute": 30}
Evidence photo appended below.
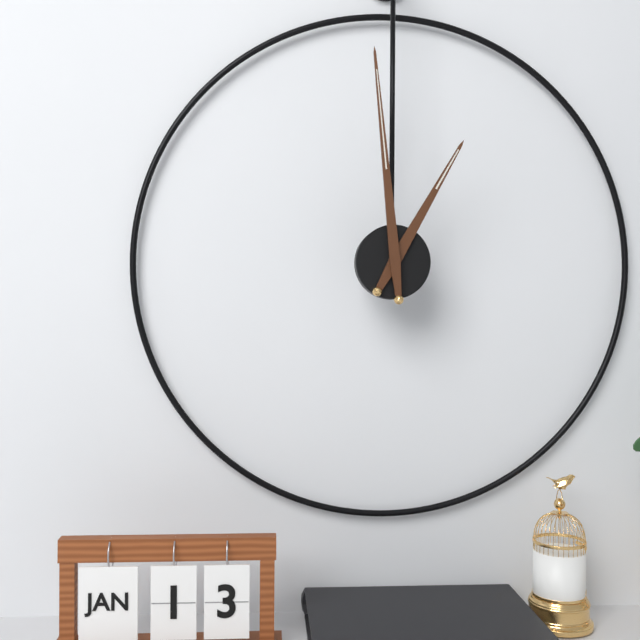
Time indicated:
{"hour": 12, "minute": 59}
